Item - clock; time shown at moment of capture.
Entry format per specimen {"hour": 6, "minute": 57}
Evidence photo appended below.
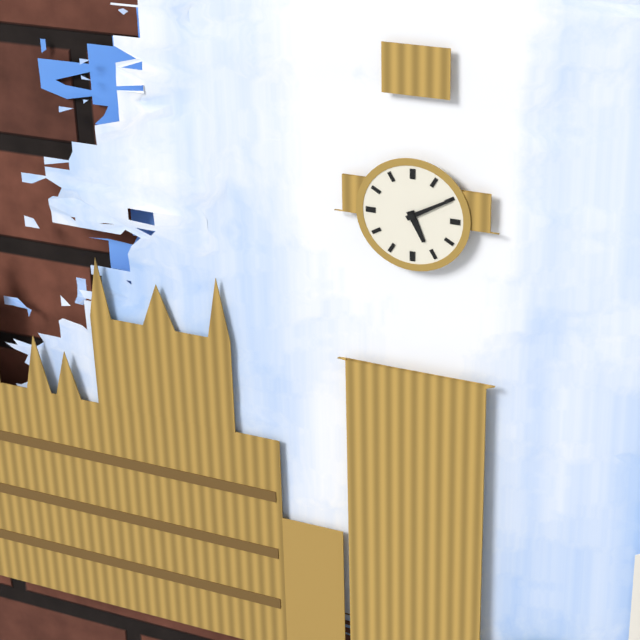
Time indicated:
{"hour": 5, "minute": 10}
